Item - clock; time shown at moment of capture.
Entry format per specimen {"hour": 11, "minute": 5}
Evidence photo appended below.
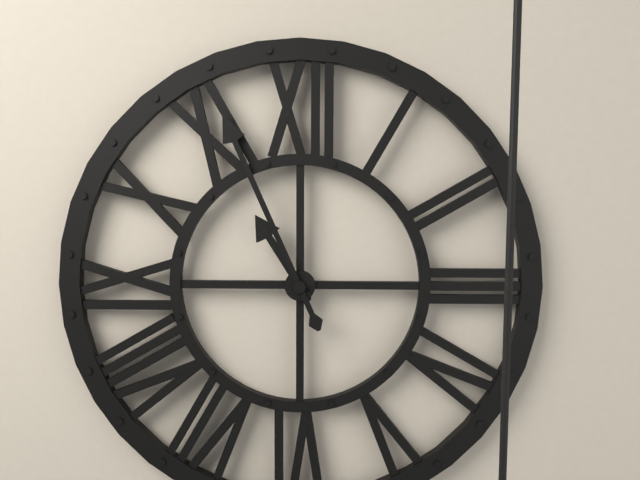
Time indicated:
{"hour": 10, "minute": 56}
